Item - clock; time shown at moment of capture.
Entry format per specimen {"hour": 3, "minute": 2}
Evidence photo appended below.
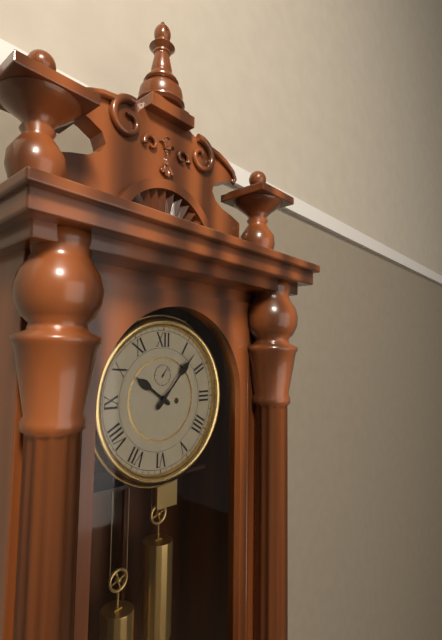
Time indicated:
{"hour": 10, "minute": 7}
